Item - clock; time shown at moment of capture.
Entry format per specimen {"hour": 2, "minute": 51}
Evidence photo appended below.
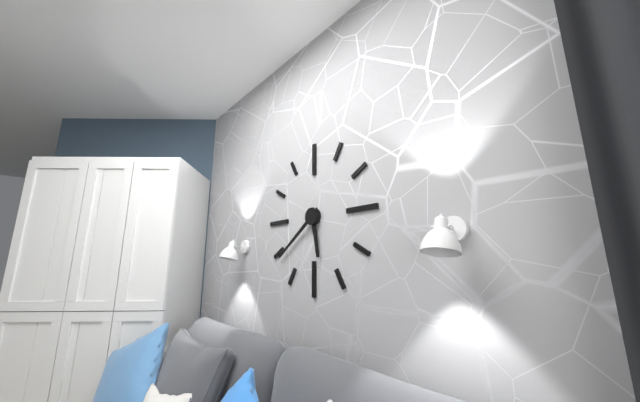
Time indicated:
{"hour": 5, "minute": 39}
